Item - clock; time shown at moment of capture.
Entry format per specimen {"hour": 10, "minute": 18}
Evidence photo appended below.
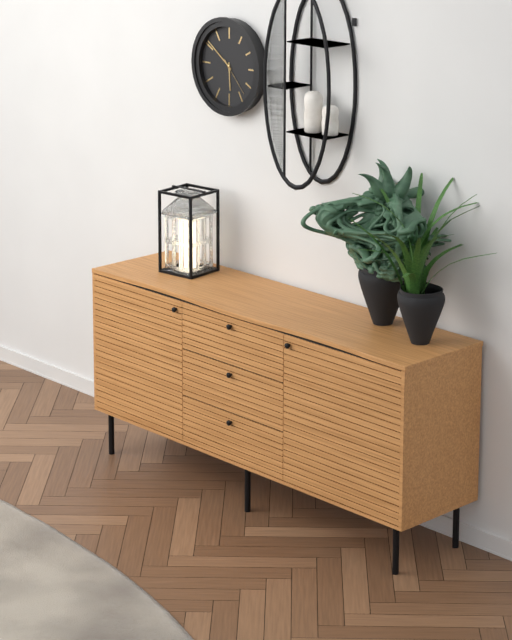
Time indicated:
{"hour": 5, "minute": 51}
